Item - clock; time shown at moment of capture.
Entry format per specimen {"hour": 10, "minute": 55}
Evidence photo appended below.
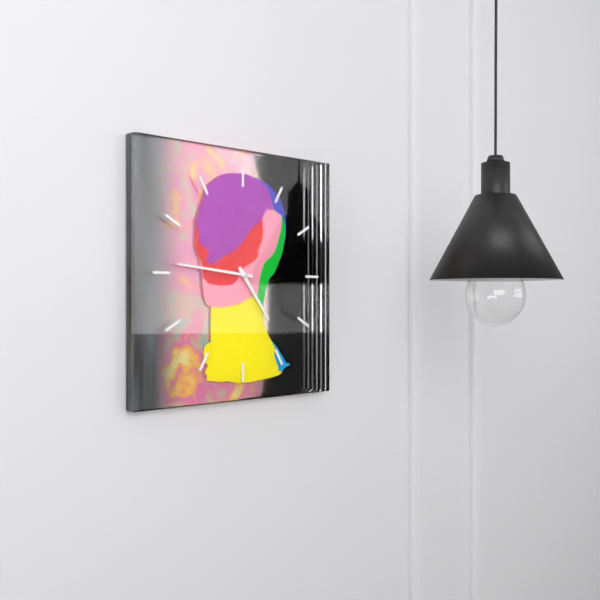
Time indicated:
{"hour": 4, "minute": 46}
